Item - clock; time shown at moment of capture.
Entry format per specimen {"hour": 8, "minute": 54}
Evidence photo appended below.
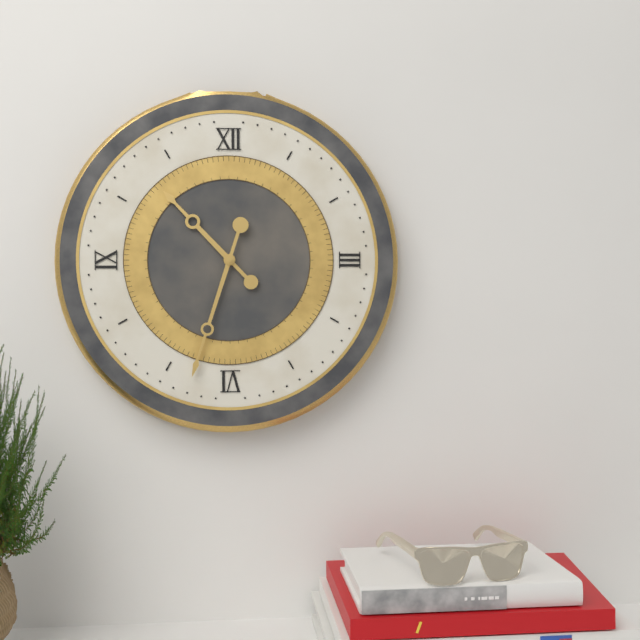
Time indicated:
{"hour": 10, "minute": 33}
